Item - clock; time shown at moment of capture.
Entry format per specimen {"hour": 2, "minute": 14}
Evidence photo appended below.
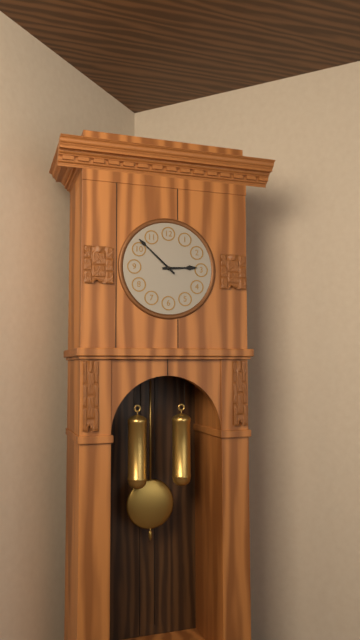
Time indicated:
{"hour": 2, "minute": 52}
